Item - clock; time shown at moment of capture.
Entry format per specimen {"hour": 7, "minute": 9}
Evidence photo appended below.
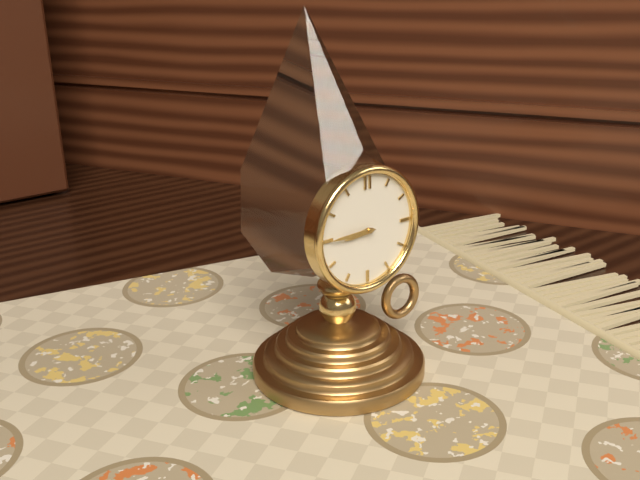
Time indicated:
{"hour": 8, "minute": 45}
